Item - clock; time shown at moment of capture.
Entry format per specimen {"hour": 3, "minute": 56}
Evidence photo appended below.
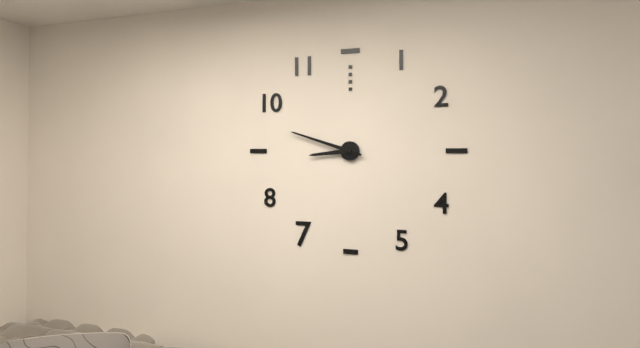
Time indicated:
{"hour": 8, "minute": 48}
